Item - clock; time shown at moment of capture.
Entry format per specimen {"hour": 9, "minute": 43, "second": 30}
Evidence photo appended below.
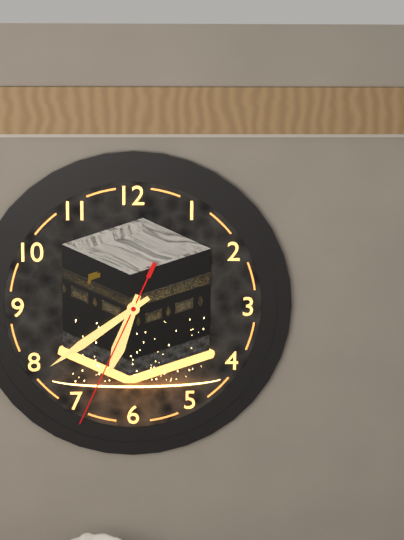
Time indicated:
{"hour": 6, "minute": 39, "second": 34}
